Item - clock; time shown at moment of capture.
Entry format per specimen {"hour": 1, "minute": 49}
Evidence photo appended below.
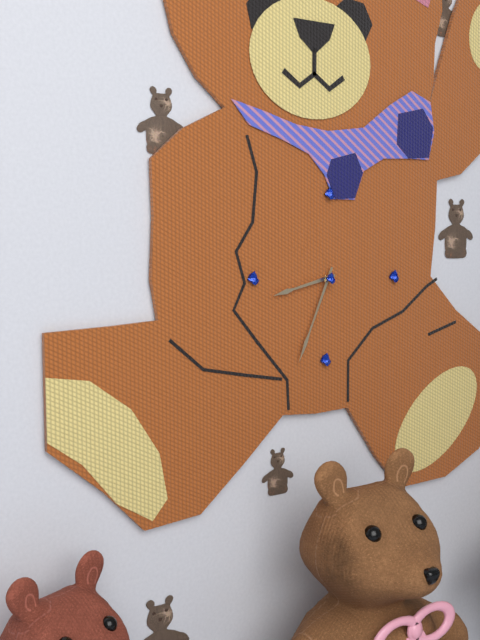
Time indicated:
{"hour": 8, "minute": 34}
